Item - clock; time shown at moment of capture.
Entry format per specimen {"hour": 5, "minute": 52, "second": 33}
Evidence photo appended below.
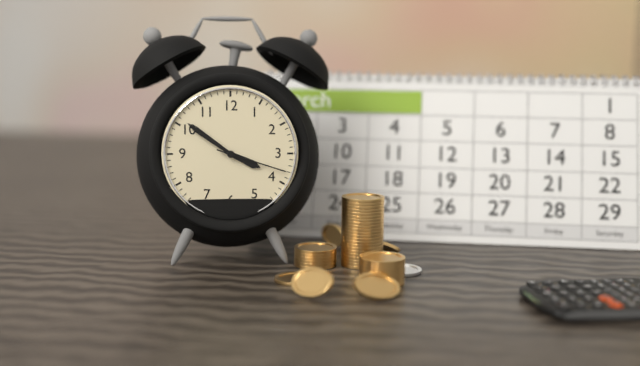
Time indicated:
{"hour": 3, "minute": 51, "second": 18}
